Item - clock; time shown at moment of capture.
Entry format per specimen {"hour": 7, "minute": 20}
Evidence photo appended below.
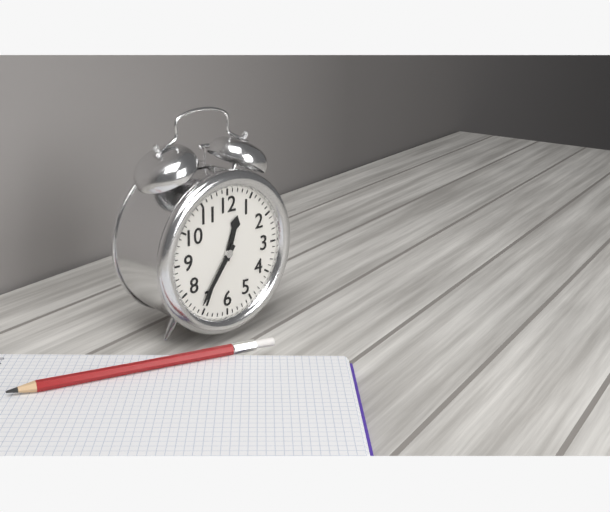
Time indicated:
{"hour": 12, "minute": 36}
